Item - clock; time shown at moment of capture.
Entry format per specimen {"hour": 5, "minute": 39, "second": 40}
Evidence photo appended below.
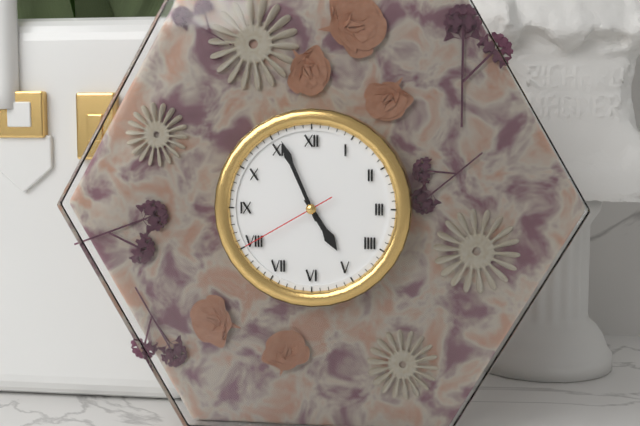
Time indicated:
{"hour": 4, "minute": 56, "second": 40}
